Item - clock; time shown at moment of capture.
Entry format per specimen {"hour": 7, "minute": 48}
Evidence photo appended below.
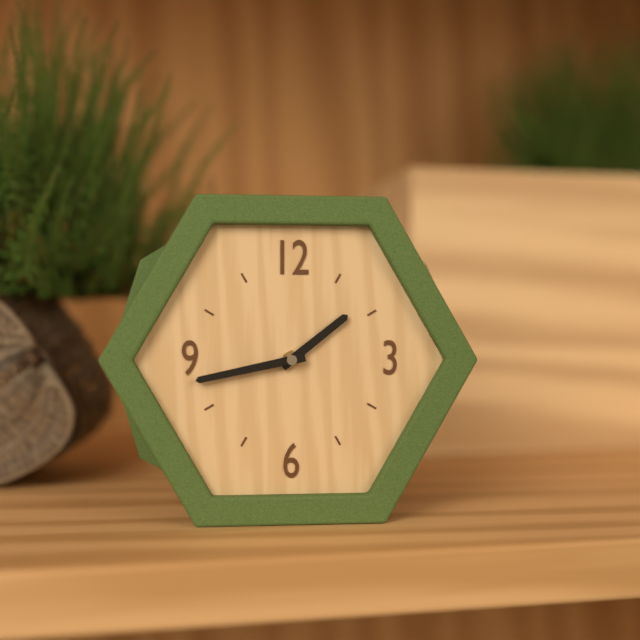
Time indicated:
{"hour": 1, "minute": 43}
